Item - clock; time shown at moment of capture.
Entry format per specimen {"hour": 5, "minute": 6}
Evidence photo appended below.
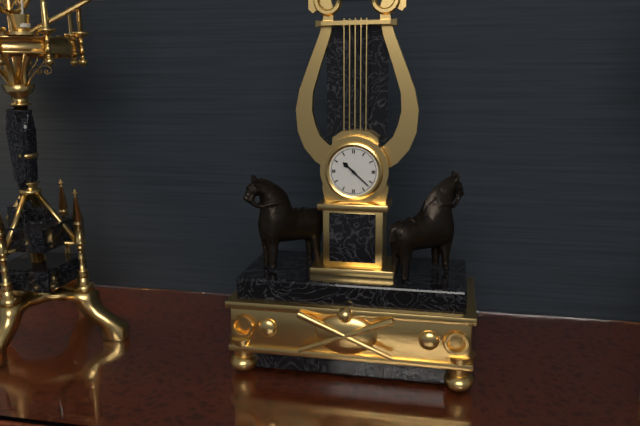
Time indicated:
{"hour": 10, "minute": 22}
